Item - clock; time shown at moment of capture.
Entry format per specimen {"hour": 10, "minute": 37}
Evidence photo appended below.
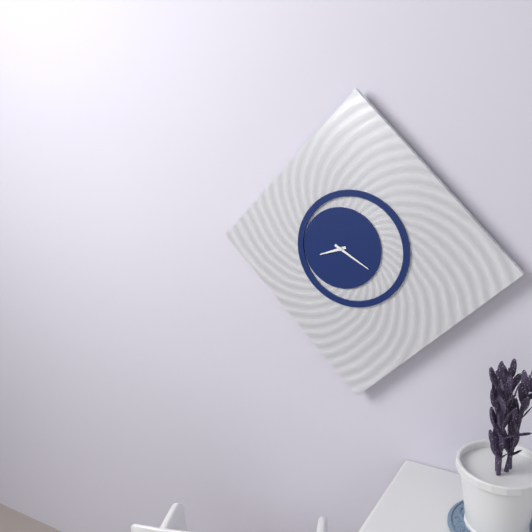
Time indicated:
{"hour": 8, "minute": 20}
